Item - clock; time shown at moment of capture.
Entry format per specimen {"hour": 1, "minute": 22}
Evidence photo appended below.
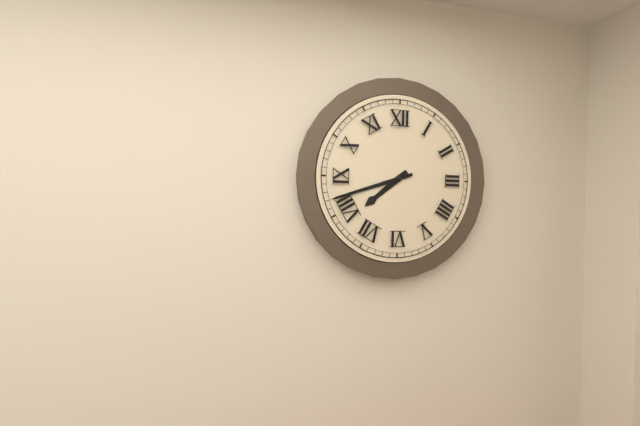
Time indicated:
{"hour": 7, "minute": 42}
